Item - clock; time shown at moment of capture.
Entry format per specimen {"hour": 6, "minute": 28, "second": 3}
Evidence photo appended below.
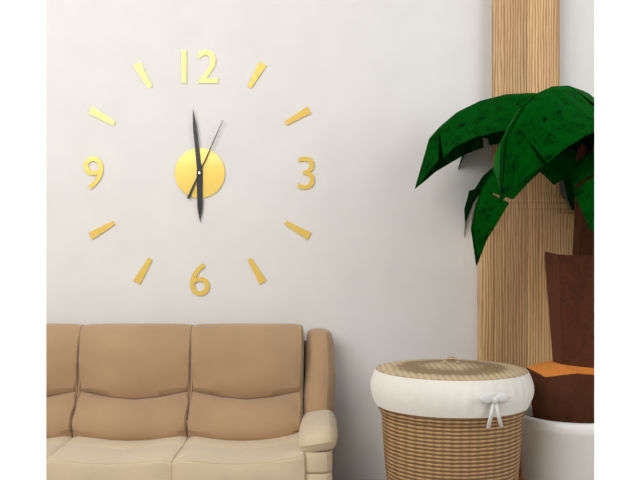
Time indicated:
{"hour": 5, "minute": 59, "second": 4}
